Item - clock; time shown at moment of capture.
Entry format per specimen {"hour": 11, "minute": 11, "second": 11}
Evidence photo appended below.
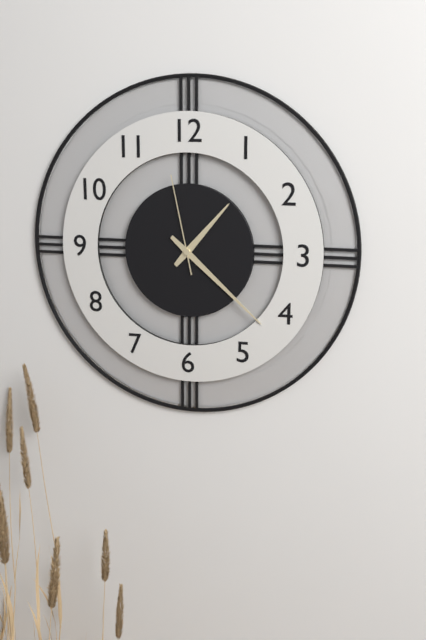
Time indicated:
{"hour": 1, "minute": 22, "second": 58}
